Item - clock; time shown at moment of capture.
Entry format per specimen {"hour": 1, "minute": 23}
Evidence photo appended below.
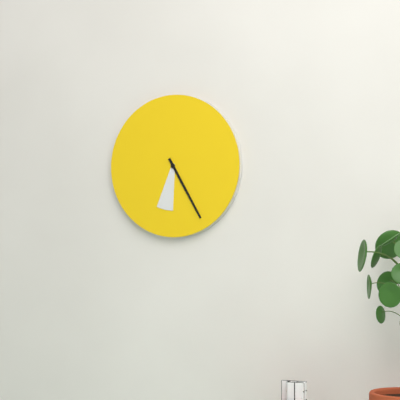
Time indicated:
{"hour": 6, "minute": 25}
